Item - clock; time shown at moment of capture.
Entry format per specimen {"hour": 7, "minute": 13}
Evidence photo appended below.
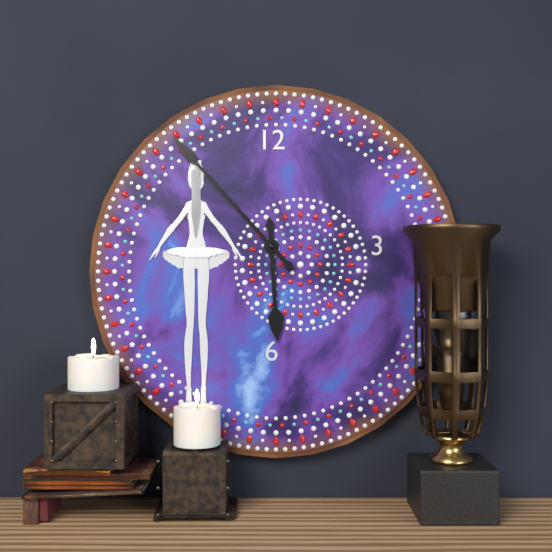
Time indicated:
{"hour": 5, "minute": 53}
